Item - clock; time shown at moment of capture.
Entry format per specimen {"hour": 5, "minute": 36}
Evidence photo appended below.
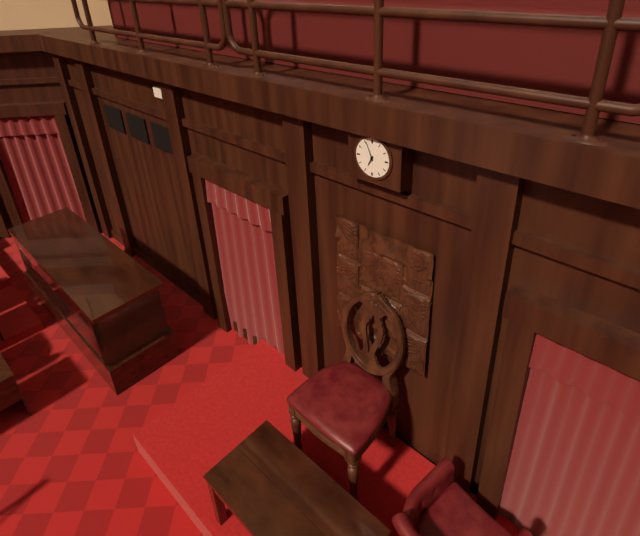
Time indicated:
{"hour": 6, "minute": 56}
